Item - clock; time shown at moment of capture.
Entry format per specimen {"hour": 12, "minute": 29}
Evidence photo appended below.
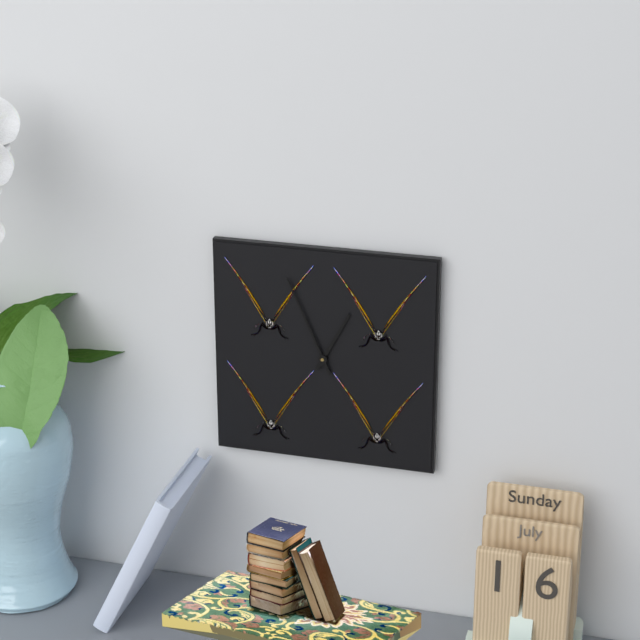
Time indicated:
{"hour": 12, "minute": 56}
